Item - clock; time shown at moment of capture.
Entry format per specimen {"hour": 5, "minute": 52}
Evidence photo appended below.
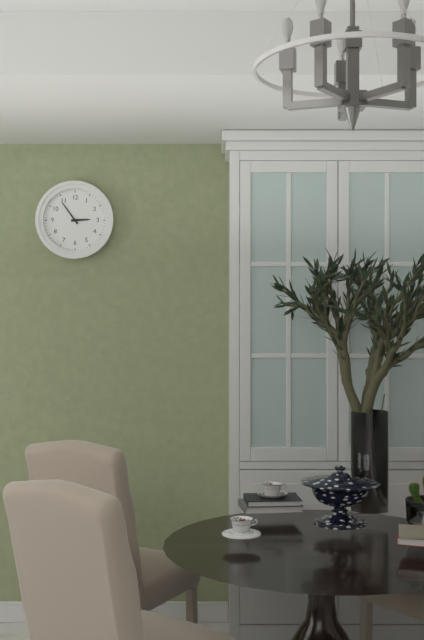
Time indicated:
{"hour": 2, "minute": 54}
